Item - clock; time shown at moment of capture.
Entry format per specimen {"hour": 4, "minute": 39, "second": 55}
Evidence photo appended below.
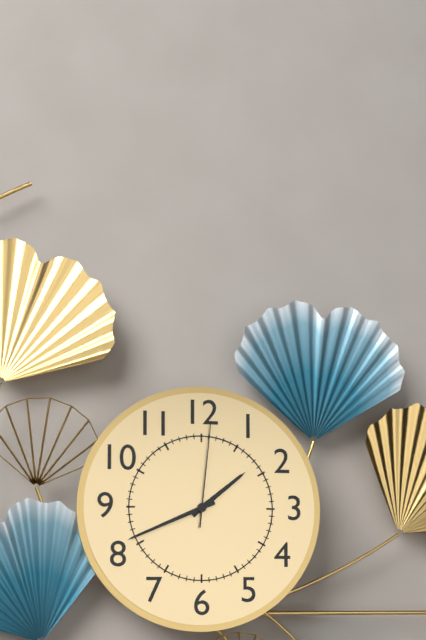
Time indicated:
{"hour": 1, "minute": 41, "second": 1}
